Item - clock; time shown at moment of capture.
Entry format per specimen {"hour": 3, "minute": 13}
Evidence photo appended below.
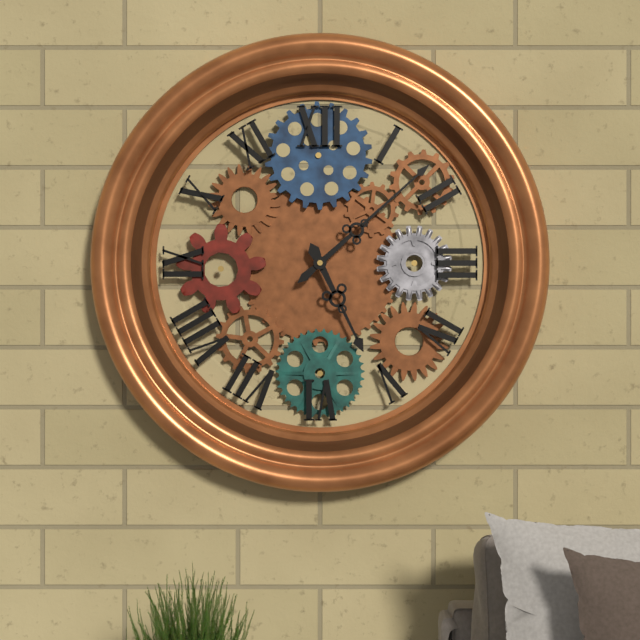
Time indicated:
{"hour": 5, "minute": 8}
